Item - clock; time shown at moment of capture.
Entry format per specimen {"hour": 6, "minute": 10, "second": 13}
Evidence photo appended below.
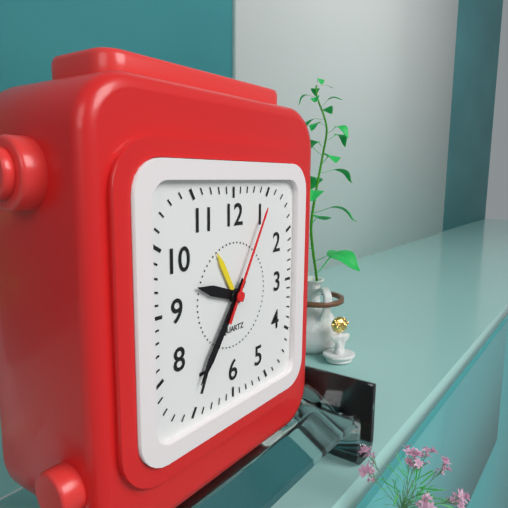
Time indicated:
{"hour": 9, "minute": 36, "second": 5}
